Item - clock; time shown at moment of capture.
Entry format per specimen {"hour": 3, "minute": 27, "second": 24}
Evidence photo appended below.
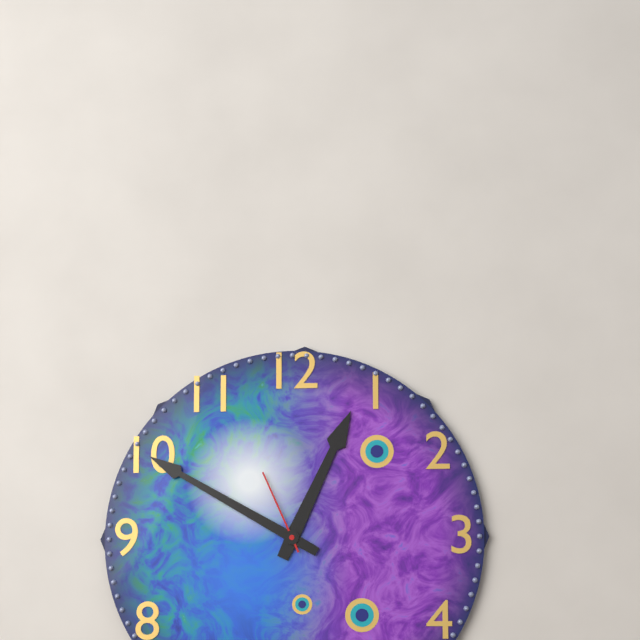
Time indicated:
{"hour": 12, "minute": 50, "second": 56}
